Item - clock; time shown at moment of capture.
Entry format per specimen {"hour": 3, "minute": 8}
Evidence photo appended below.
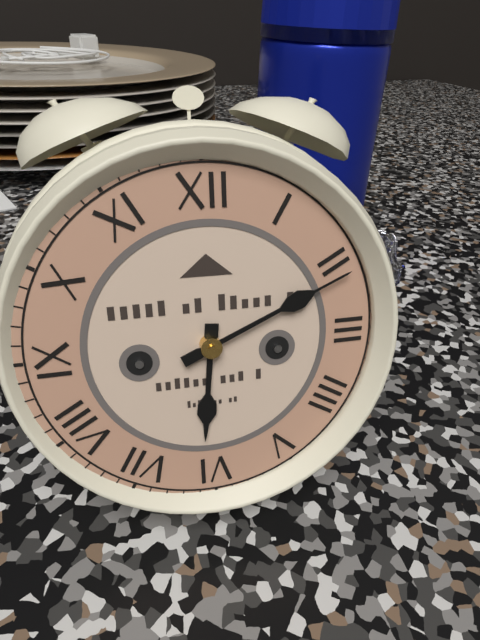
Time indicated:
{"hour": 6, "minute": 11}
